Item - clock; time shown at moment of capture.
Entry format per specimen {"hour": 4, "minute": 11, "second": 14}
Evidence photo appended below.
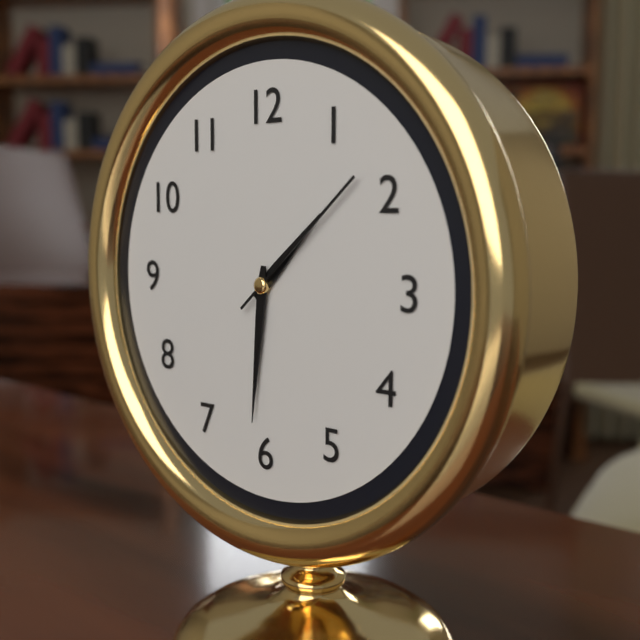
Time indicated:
{"hour": 1, "minute": 31, "second": 8}
